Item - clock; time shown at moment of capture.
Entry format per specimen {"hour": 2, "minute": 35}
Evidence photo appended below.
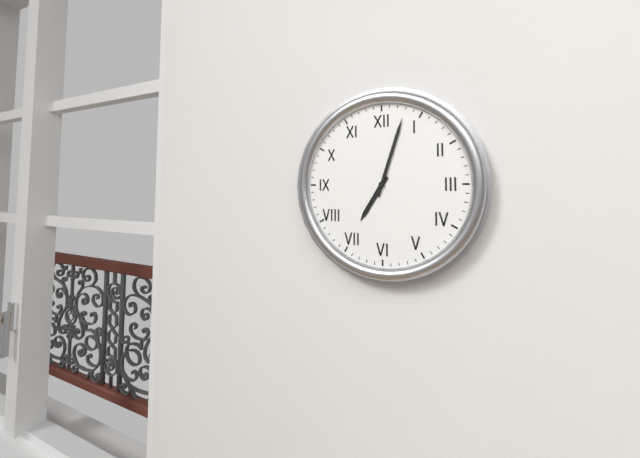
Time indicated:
{"hour": 7, "minute": 3}
